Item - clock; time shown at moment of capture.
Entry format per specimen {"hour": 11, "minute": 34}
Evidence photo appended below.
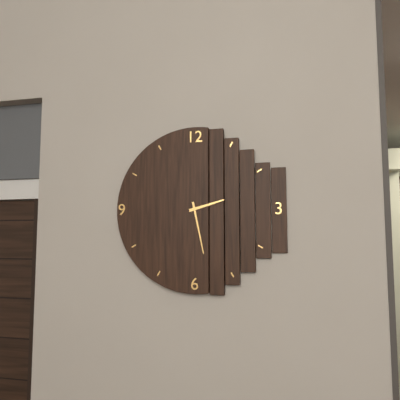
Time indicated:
{"hour": 2, "minute": 28}
